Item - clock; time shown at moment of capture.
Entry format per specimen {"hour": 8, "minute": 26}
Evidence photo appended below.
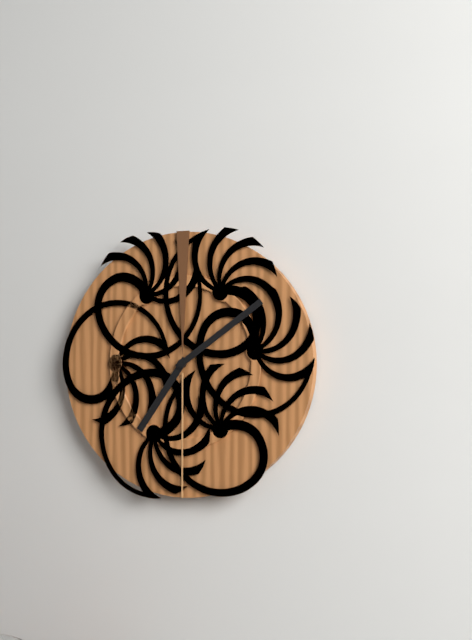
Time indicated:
{"hour": 7, "minute": 9}
